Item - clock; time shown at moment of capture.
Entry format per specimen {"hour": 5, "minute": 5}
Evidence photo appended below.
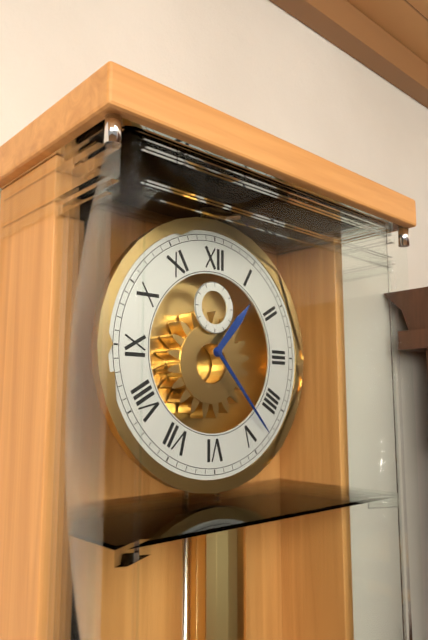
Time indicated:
{"hour": 1, "minute": 23}
